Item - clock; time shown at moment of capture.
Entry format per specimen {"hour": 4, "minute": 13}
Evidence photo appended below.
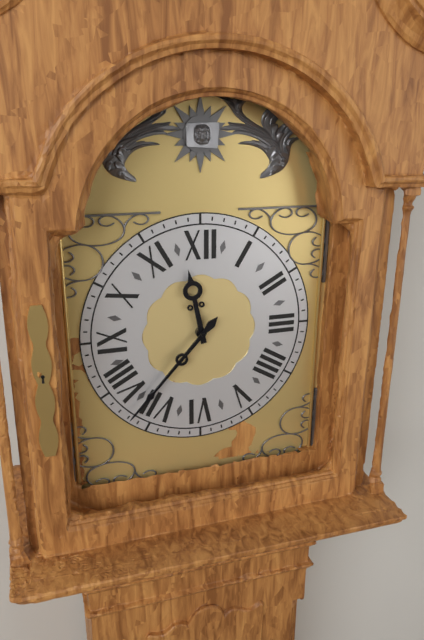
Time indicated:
{"hour": 11, "minute": 37}
